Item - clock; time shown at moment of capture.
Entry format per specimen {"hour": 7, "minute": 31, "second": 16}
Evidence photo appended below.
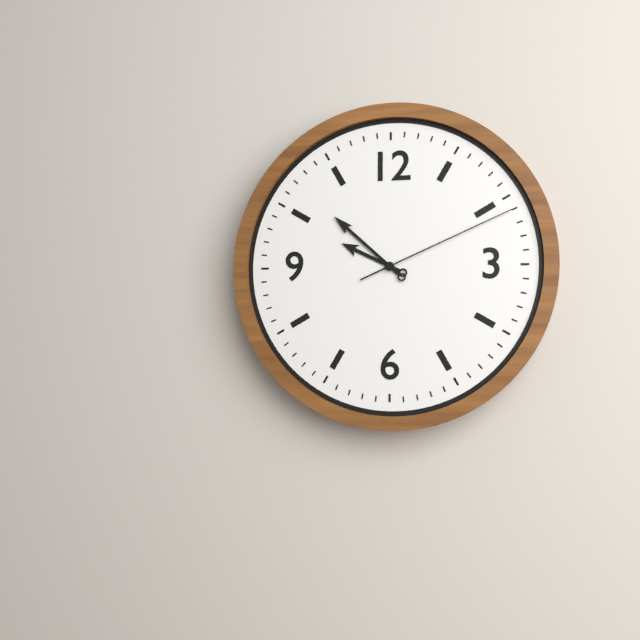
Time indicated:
{"hour": 9, "minute": 52, "second": 11}
